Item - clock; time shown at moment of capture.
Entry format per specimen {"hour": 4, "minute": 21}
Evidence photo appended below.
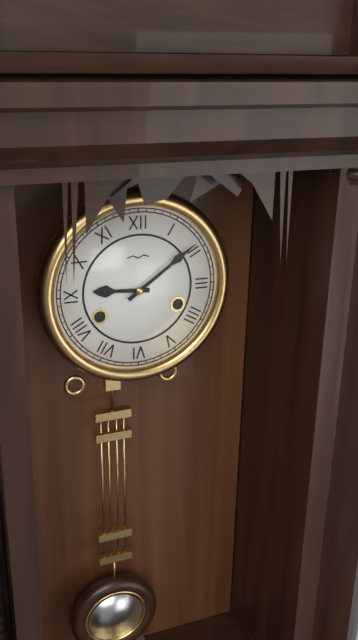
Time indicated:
{"hour": 9, "minute": 9}
